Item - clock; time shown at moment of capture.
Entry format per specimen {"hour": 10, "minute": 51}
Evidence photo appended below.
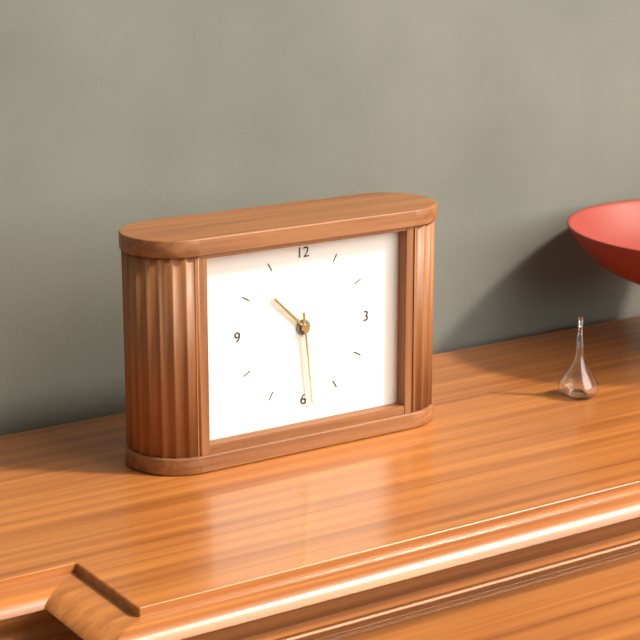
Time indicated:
{"hour": 10, "minute": 29}
